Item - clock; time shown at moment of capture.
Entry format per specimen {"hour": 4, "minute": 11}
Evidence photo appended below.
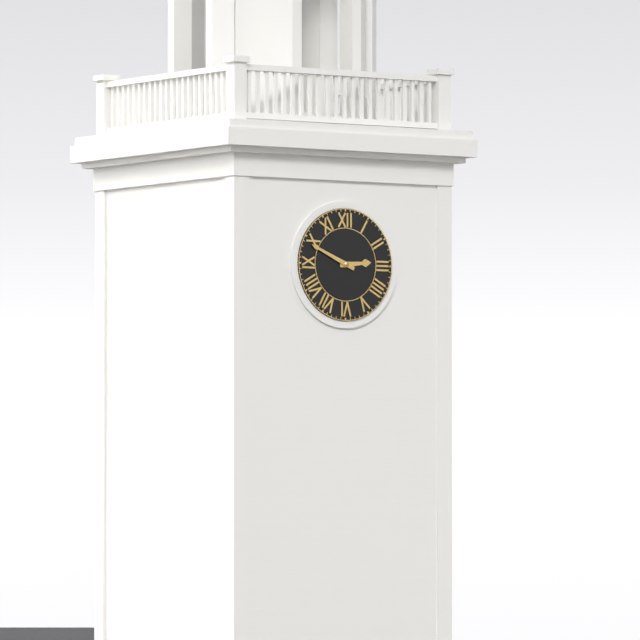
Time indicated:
{"hour": 2, "minute": 49}
